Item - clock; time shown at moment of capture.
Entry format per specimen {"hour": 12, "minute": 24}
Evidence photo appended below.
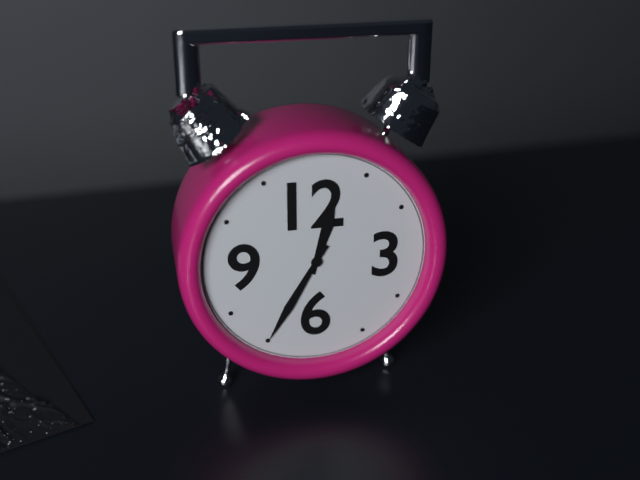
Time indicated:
{"hour": 12, "minute": 35}
